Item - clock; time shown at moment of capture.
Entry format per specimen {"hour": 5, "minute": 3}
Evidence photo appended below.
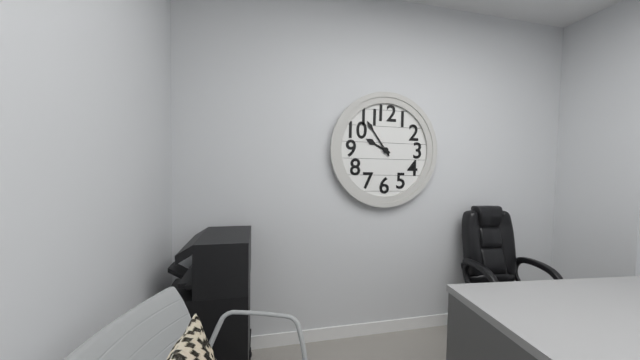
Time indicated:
{"hour": 9, "minute": 54}
